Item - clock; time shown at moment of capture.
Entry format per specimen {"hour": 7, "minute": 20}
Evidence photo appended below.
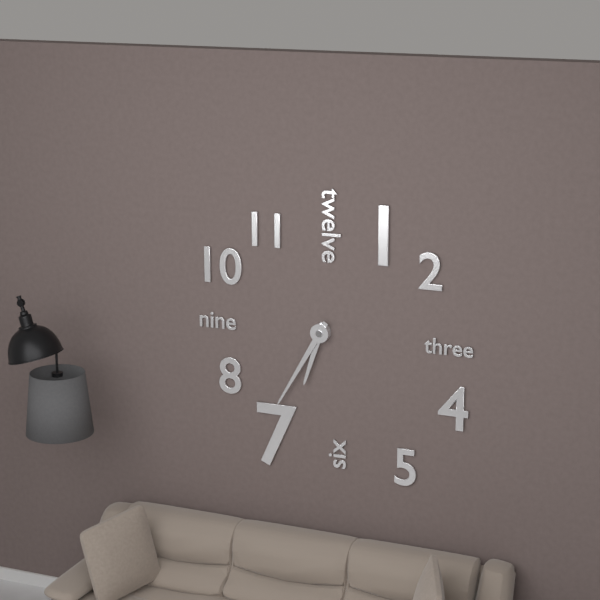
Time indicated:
{"hour": 6, "minute": 35}
